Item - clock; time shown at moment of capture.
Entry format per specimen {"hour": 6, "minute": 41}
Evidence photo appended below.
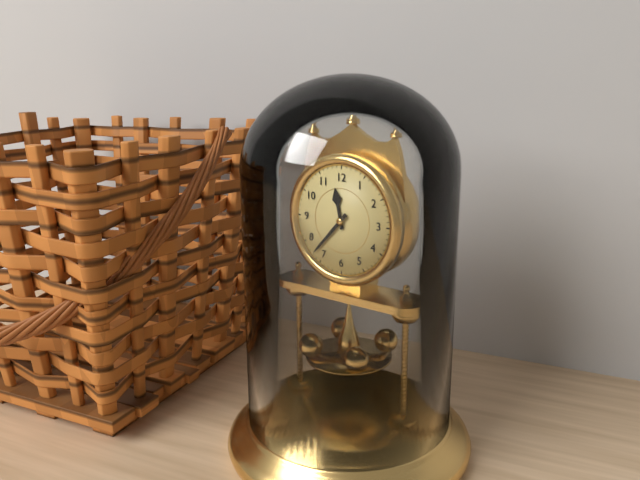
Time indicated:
{"hour": 11, "minute": 37}
